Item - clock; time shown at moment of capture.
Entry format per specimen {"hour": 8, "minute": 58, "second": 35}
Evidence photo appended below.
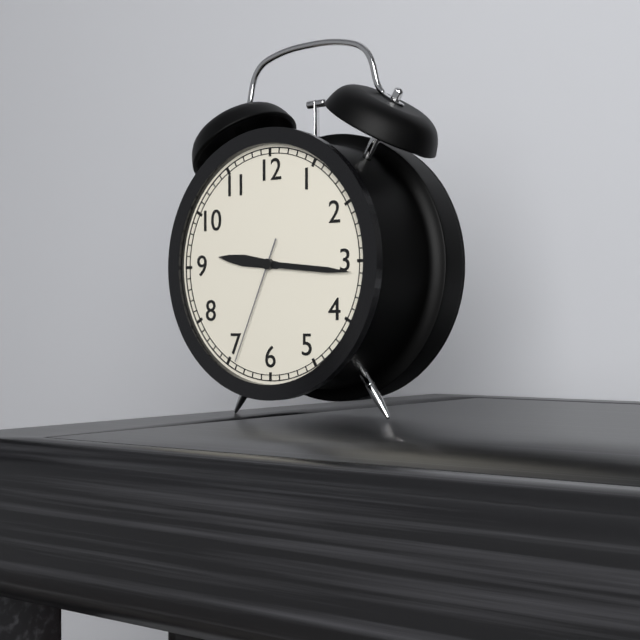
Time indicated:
{"hour": 9, "minute": 16, "second": 34}
